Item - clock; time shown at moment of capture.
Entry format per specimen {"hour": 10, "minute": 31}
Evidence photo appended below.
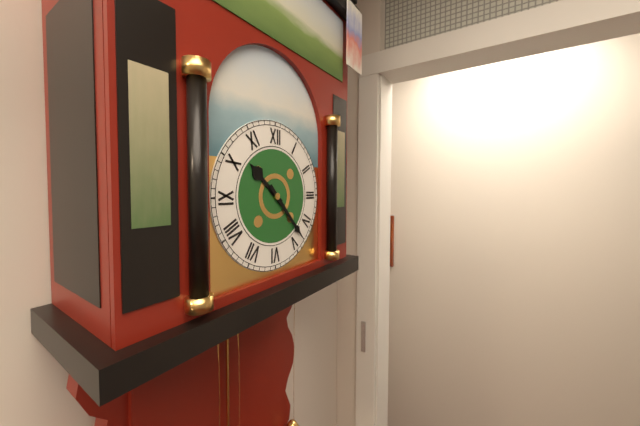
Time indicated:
{"hour": 10, "minute": 23}
